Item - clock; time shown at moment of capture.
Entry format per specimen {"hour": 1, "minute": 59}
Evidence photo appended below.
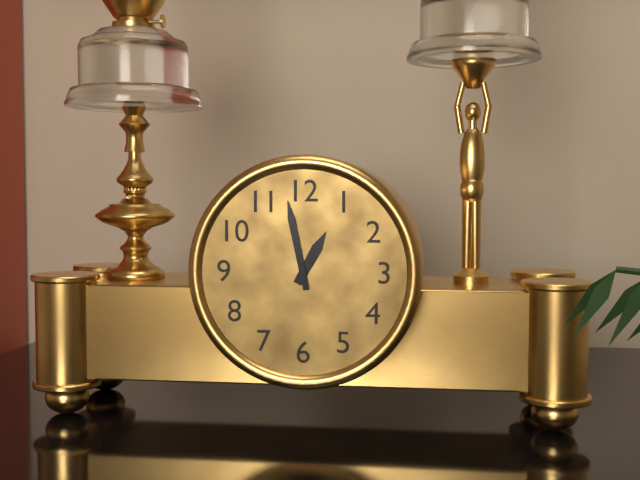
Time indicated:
{"hour": 12, "minute": 58}
